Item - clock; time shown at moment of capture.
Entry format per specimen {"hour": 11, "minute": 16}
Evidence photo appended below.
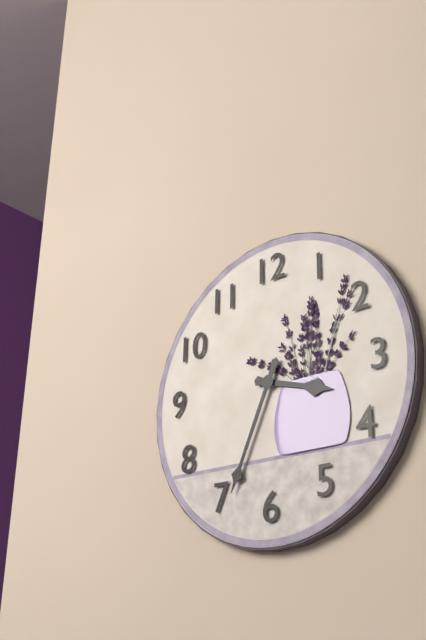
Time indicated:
{"hour": 3, "minute": 34}
